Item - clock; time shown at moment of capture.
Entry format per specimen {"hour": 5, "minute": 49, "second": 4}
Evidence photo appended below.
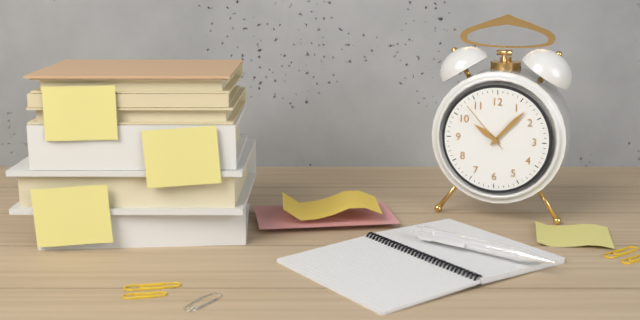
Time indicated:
{"hour": 10, "minute": 7, "second": 53}
